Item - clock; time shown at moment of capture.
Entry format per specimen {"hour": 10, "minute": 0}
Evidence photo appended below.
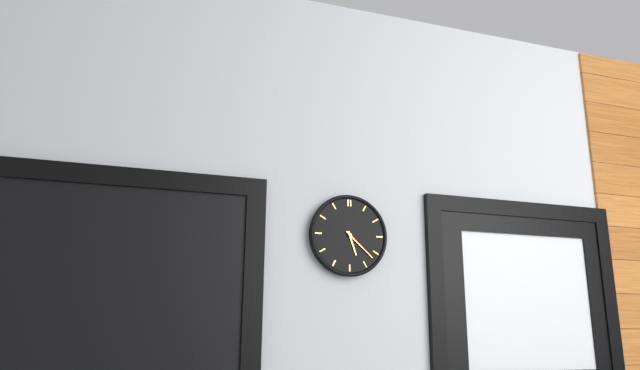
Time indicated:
{"hour": 5, "minute": 22}
